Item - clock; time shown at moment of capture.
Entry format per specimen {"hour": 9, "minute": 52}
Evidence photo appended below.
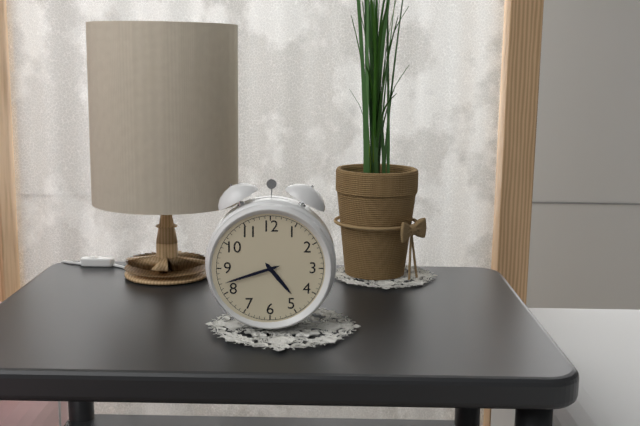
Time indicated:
{"hour": 4, "minute": 42}
